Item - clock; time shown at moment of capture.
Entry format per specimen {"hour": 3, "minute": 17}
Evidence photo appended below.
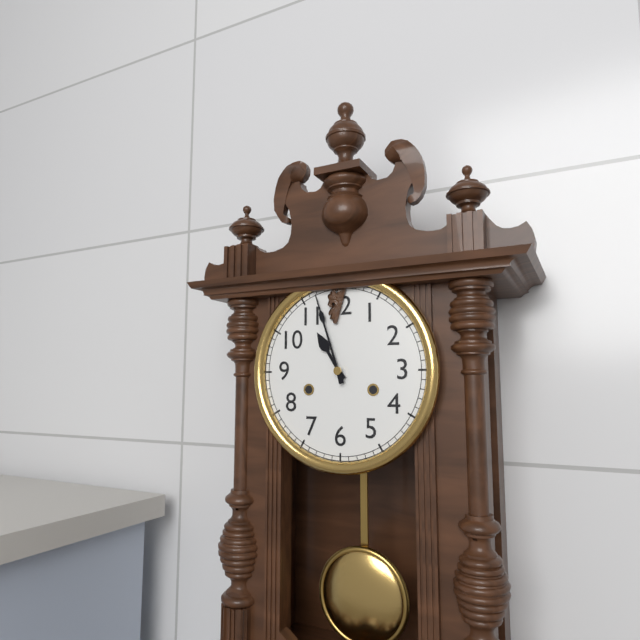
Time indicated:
{"hour": 10, "minute": 57}
